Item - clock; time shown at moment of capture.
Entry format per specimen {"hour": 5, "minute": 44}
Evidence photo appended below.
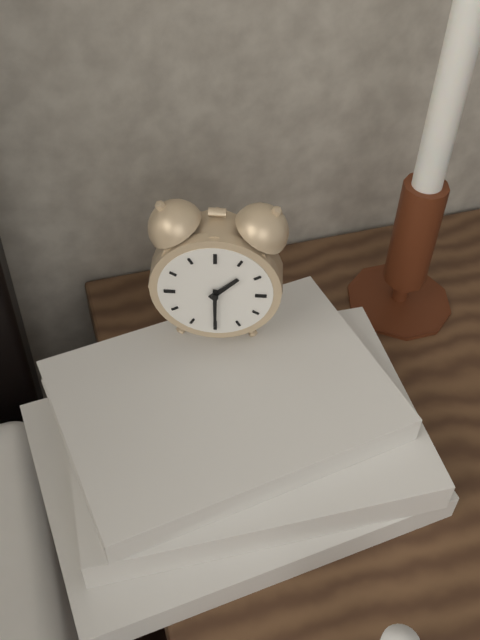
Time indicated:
{"hour": 1, "minute": 30}
